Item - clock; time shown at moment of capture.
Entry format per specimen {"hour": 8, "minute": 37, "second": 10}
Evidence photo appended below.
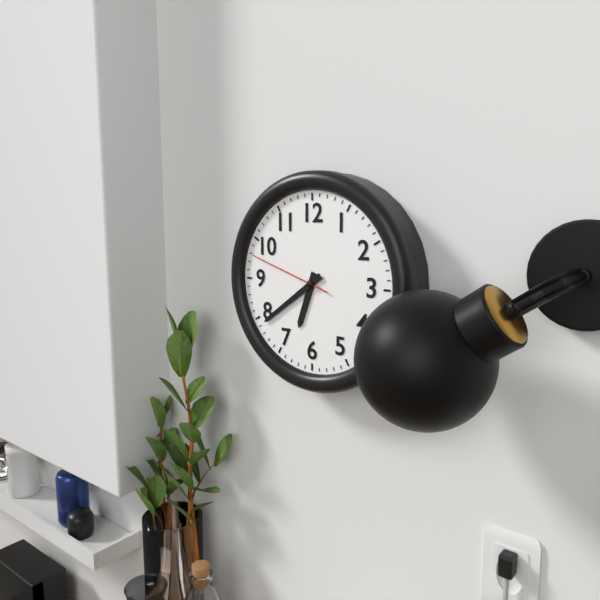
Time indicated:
{"hour": 6, "minute": 39, "second": 48}
